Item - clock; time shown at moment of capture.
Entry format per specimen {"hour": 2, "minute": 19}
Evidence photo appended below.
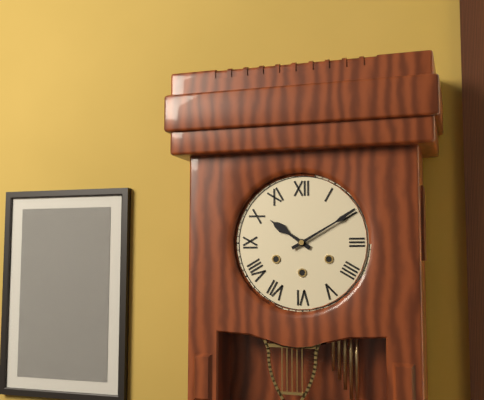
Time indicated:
{"hour": 10, "minute": 10}
